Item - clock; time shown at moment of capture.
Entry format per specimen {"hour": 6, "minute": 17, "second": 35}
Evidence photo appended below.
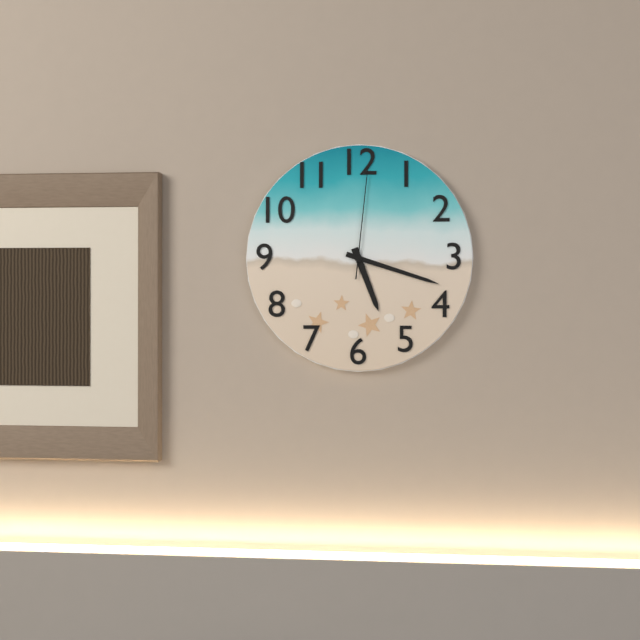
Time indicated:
{"hour": 5, "minute": 18, "second": 1}
